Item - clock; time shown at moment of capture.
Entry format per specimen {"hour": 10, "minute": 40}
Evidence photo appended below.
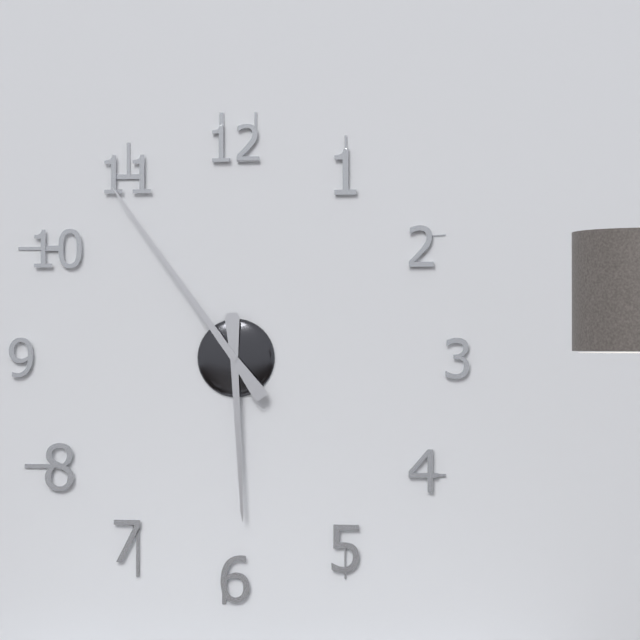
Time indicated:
{"hour": 5, "minute": 54}
